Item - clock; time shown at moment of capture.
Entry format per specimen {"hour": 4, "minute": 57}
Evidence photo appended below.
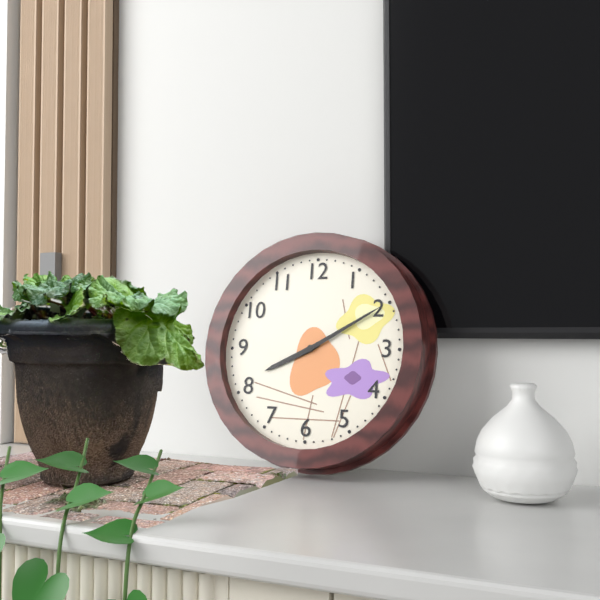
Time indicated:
{"hour": 8, "minute": 10}
